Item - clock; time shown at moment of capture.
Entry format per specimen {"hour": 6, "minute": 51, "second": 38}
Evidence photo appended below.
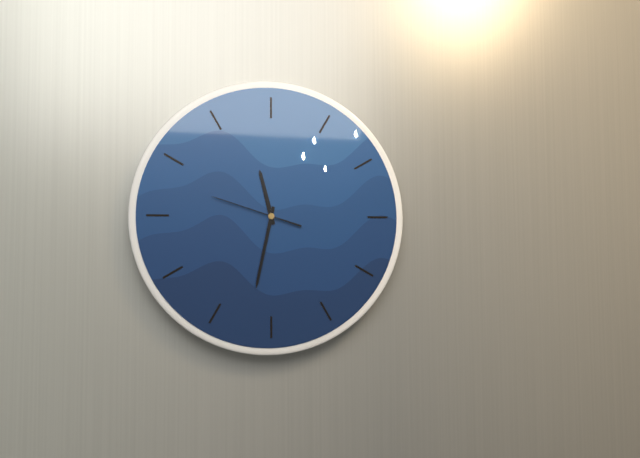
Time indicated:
{"hour": 11, "minute": 32, "second": 48}
